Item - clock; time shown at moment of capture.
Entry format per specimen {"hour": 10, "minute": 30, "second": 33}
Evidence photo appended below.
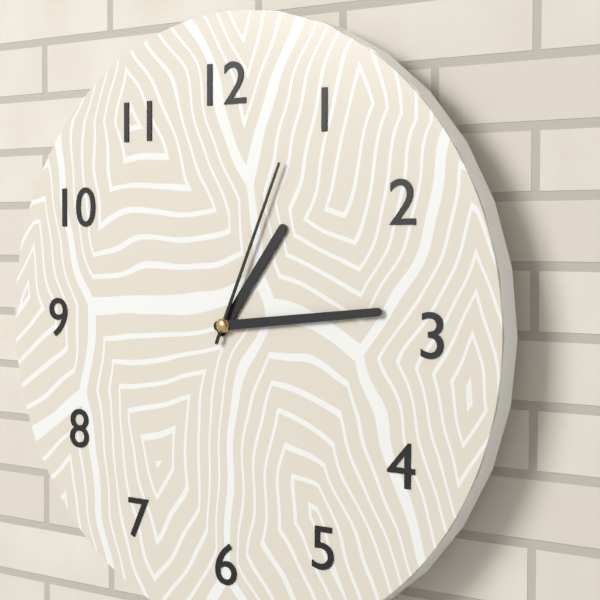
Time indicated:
{"hour": 1, "minute": 14, "second": 4}
